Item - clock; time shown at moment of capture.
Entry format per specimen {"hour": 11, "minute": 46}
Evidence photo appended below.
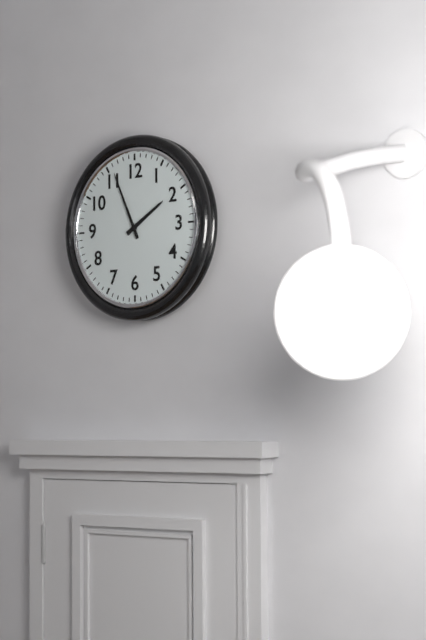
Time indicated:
{"hour": 1, "minute": 56}
